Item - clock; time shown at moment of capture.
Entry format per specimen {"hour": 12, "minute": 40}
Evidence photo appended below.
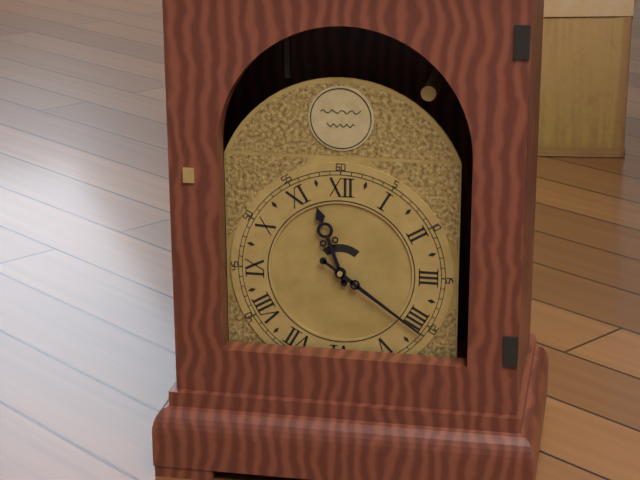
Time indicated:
{"hour": 11, "minute": 21}
